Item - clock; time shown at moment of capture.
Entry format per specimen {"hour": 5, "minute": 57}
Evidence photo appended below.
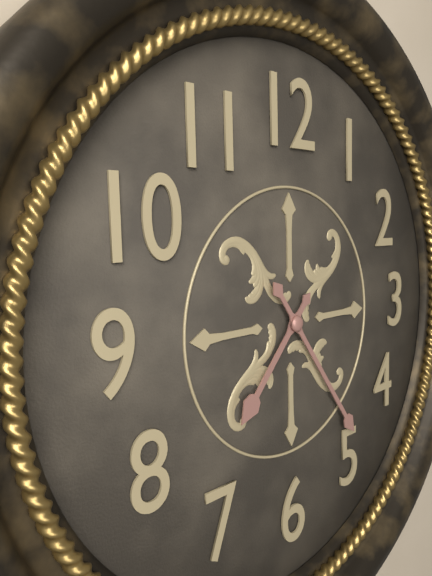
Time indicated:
{"hour": 7, "minute": 24}
